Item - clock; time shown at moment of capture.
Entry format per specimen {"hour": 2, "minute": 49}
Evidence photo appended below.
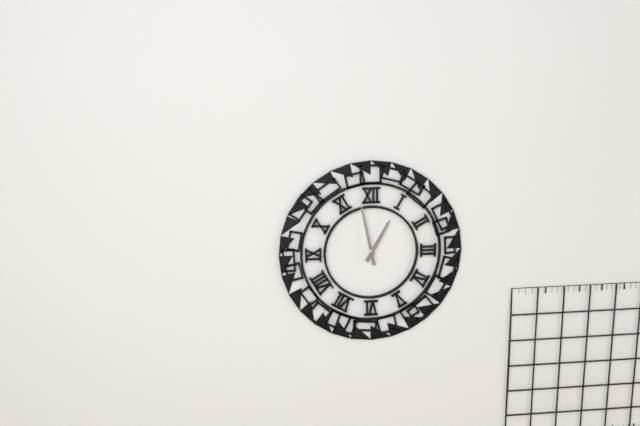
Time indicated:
{"hour": 12, "minute": 58}
